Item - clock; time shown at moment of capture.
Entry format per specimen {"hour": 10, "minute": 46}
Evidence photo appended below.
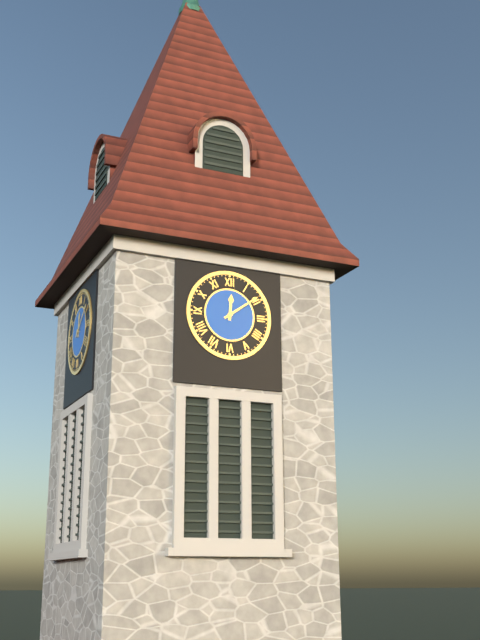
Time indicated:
{"hour": 12, "minute": 9}
